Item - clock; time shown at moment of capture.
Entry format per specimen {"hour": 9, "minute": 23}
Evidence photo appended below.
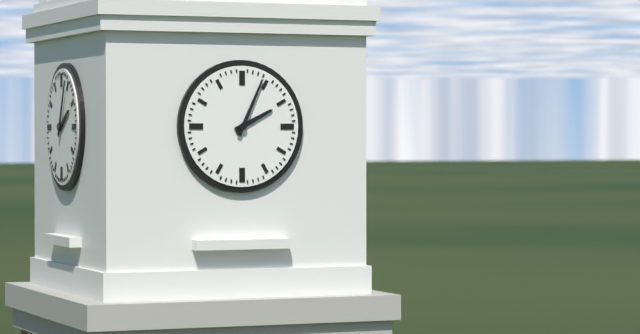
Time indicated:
{"hour": 2, "minute": 4}
